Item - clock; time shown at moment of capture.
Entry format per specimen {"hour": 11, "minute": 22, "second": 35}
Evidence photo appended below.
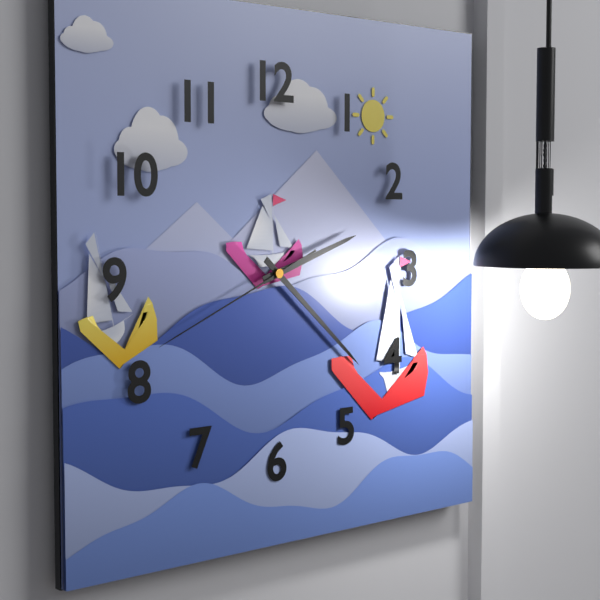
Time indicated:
{"hour": 2, "minute": 22, "second": 41}
